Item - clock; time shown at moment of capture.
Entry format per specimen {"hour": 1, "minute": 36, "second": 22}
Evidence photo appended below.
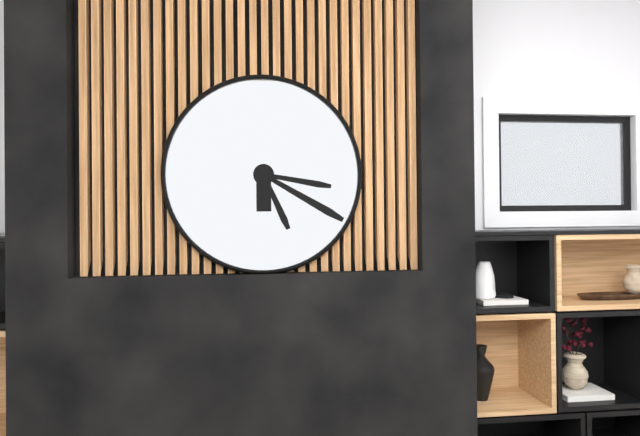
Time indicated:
{"hour": 3, "minute": 20, "second": 26}
